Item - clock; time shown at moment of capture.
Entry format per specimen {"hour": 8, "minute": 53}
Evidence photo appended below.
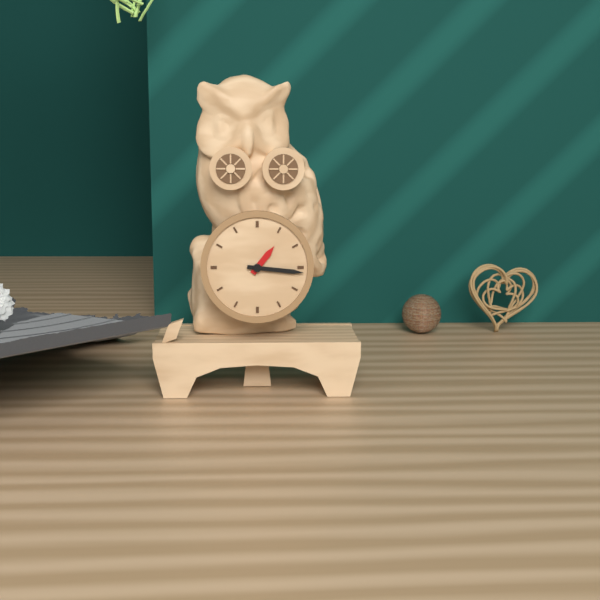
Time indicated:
{"hour": 1, "minute": 16}
